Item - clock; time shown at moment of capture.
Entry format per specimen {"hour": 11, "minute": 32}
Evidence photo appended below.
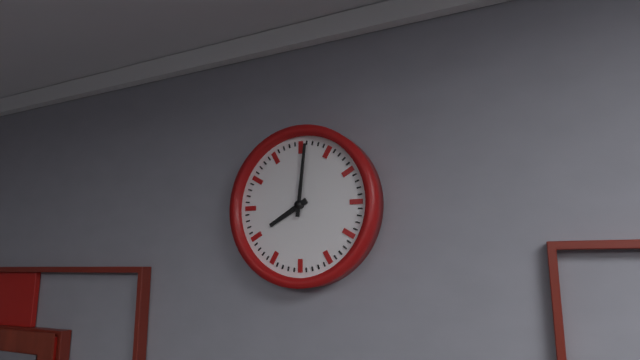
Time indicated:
{"hour": 8, "minute": 1}
